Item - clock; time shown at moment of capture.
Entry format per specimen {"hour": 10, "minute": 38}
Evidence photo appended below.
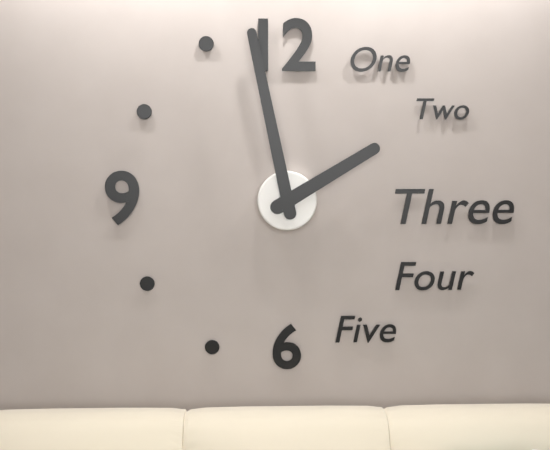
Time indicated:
{"hour": 1, "minute": 58}
